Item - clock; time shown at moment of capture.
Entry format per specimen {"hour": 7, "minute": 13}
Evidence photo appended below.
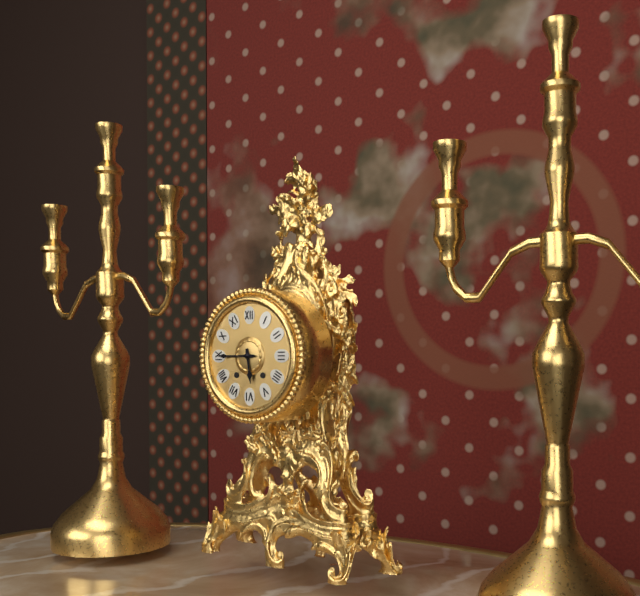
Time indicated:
{"hour": 5, "minute": 45}
